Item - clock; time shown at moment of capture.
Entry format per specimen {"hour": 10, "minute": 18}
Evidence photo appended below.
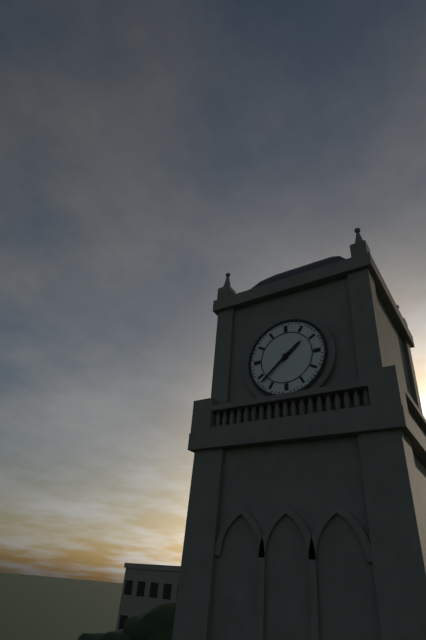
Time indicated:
{"hour": 1, "minute": 38}
